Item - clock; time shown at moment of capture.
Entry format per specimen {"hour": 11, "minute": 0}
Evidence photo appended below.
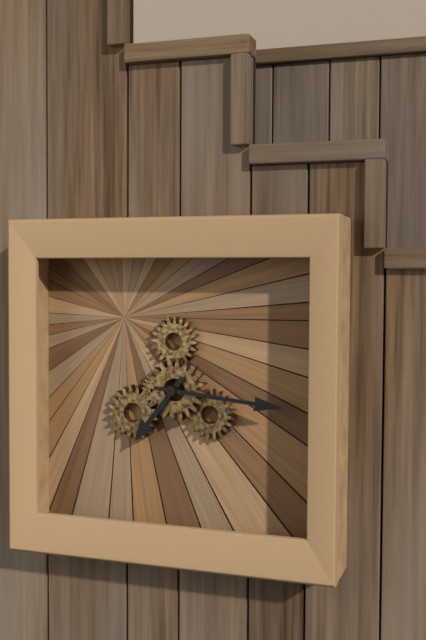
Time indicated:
{"hour": 7, "minute": 16}
